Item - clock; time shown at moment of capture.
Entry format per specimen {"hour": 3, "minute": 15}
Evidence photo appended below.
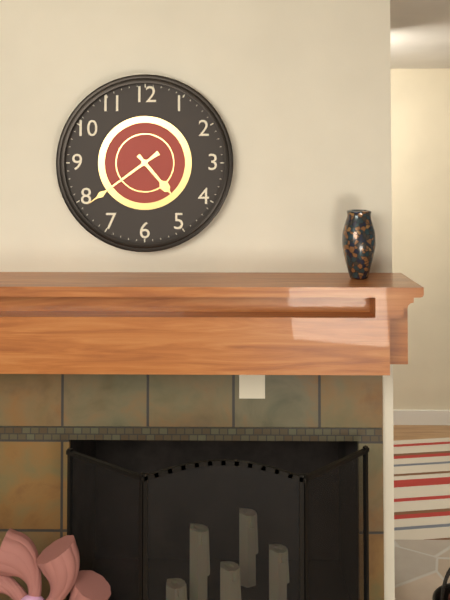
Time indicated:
{"hour": 4, "minute": 39}
